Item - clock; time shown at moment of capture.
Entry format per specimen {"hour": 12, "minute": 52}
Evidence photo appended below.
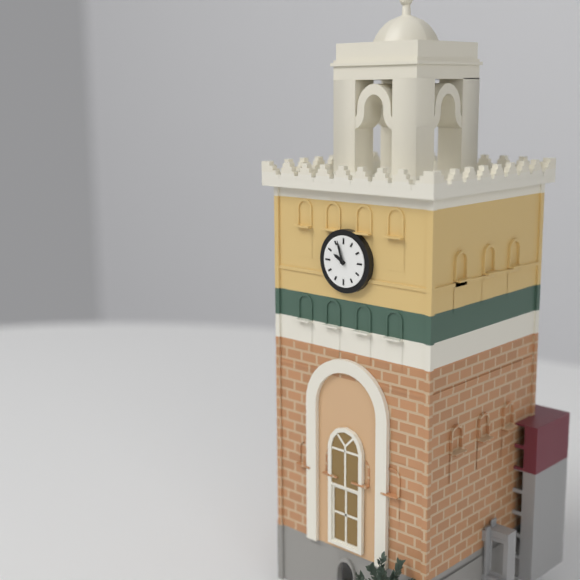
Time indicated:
{"hour": 9, "minute": 57}
